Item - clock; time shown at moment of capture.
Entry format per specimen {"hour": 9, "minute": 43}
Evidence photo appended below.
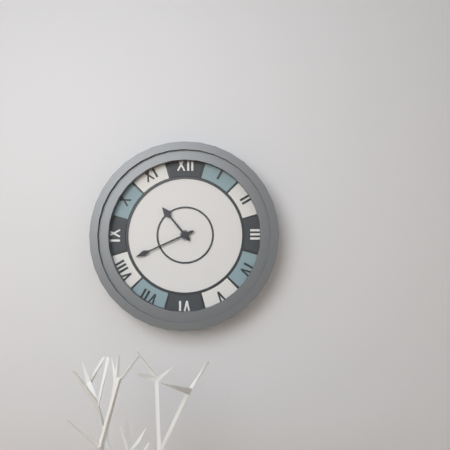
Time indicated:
{"hour": 10, "minute": 41}
